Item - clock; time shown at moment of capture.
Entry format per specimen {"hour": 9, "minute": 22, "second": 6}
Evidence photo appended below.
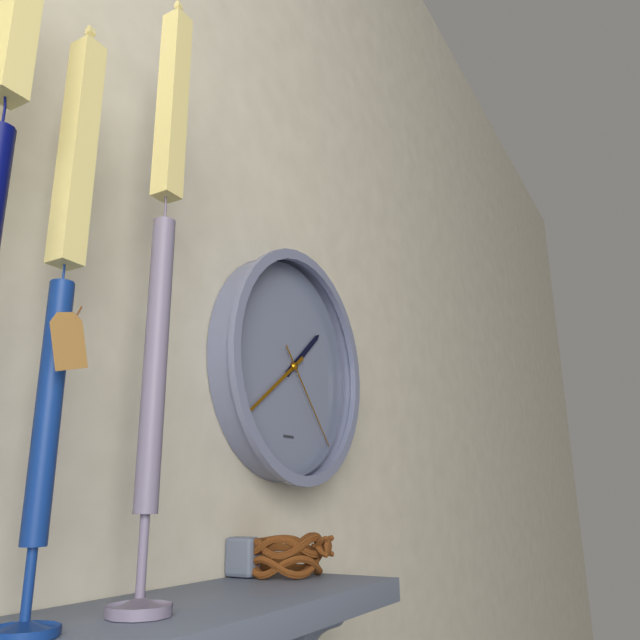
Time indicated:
{"hour": 1, "minute": 39, "second": 23}
